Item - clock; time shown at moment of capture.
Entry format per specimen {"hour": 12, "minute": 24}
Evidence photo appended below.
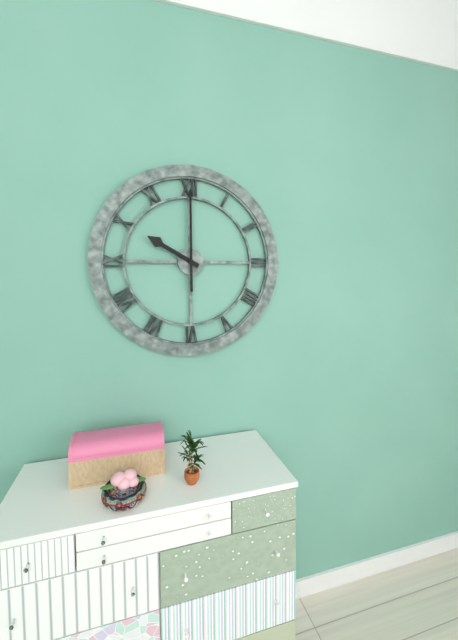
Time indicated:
{"hour": 10, "minute": 0}
